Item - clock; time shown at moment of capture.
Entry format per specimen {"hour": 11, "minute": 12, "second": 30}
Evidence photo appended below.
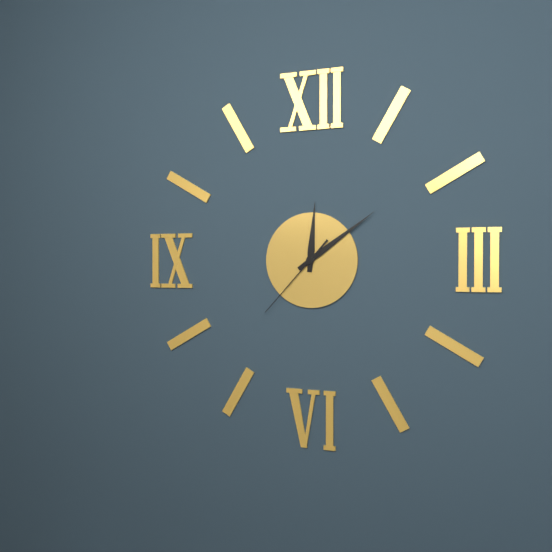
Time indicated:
{"hour": 12, "minute": 9, "second": 37}
